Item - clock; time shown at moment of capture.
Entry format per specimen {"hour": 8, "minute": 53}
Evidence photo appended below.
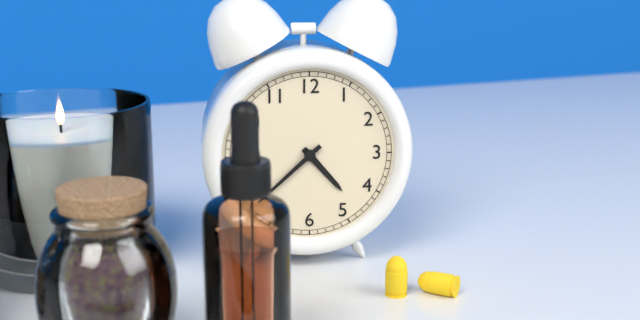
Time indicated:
{"hour": 4, "minute": 38}
